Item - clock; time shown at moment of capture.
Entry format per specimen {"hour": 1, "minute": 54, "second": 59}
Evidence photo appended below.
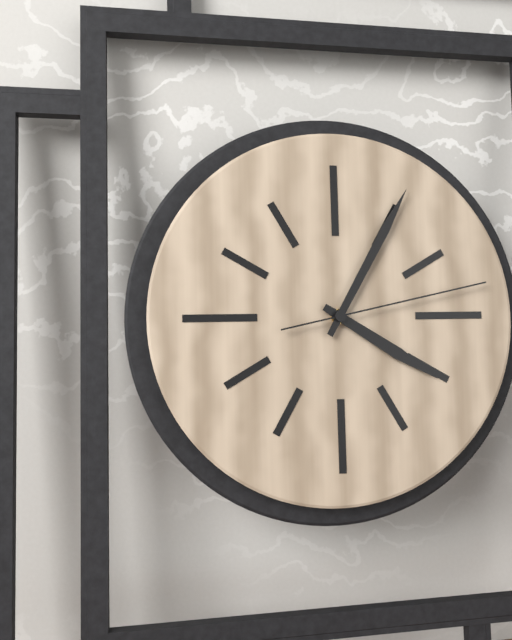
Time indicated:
{"hour": 4, "minute": 5, "second": 13}
